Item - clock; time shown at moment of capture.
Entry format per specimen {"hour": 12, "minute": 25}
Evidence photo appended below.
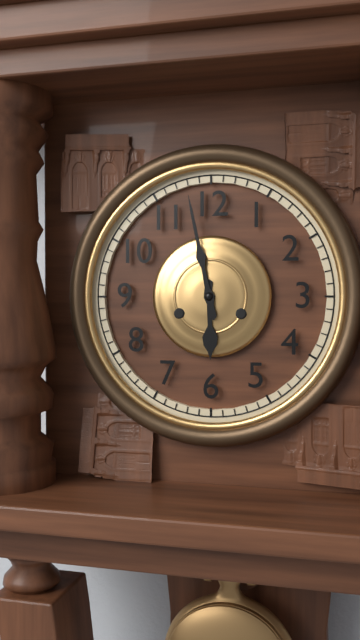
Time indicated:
{"hour": 5, "minute": 58}
